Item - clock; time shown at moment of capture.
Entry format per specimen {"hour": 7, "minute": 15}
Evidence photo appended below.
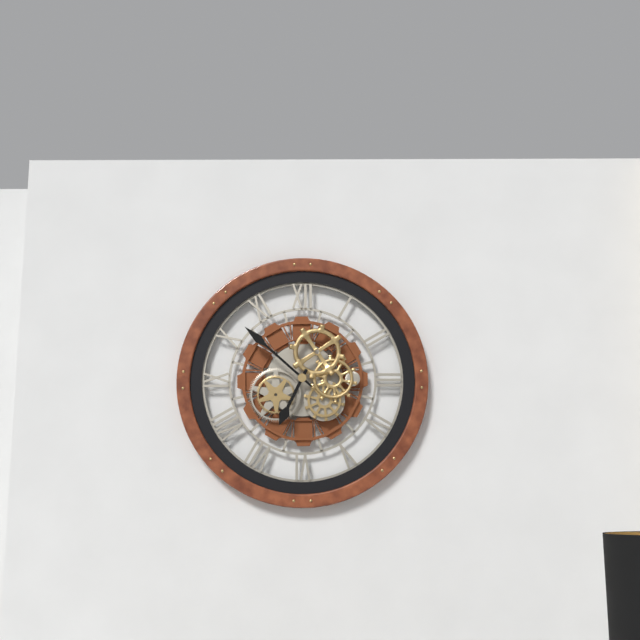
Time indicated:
{"hour": 6, "minute": 52}
